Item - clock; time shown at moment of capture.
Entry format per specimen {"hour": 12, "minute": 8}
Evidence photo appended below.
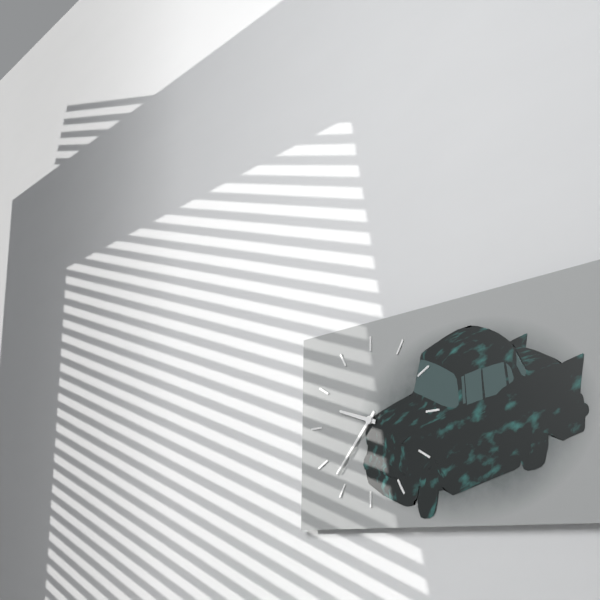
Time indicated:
{"hour": 9, "minute": 37}
